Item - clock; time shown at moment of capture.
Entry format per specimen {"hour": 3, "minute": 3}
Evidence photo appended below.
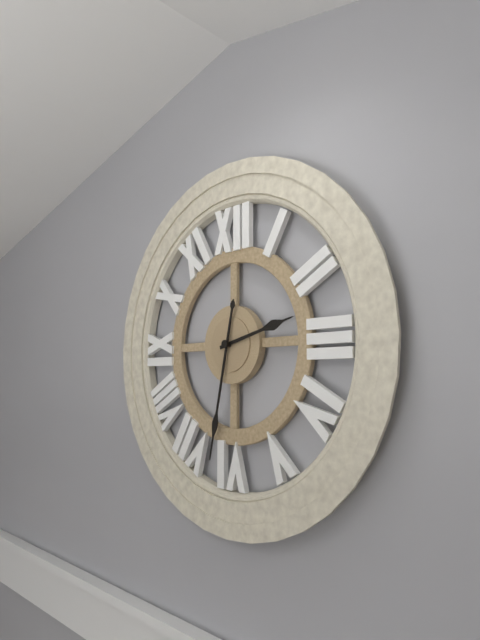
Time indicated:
{"hour": 2, "minute": 32}
